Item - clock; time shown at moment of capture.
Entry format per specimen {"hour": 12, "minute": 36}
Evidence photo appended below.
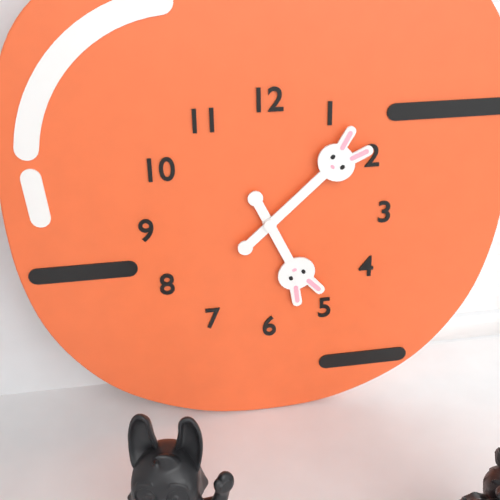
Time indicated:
{"hour": 5, "minute": 8}
